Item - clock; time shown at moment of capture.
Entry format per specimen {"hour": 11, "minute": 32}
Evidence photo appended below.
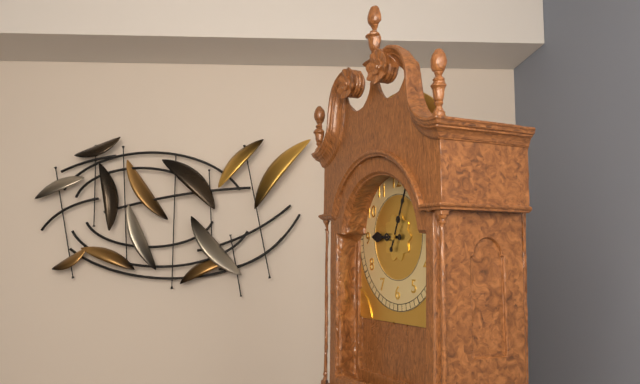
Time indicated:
{"hour": 9, "minute": 4}
